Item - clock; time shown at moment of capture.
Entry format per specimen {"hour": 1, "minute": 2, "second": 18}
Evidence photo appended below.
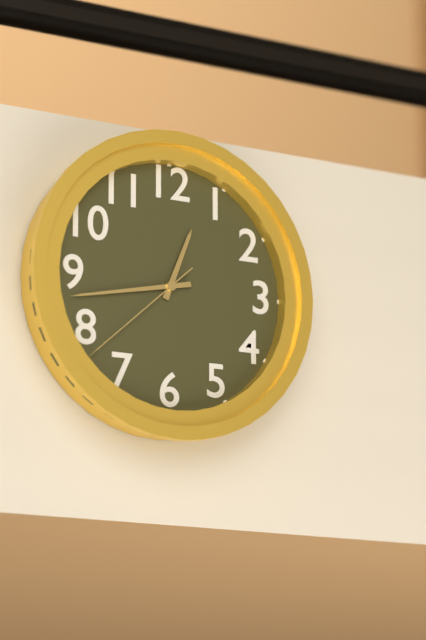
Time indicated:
{"hour": 12, "minute": 43, "second": 38}
